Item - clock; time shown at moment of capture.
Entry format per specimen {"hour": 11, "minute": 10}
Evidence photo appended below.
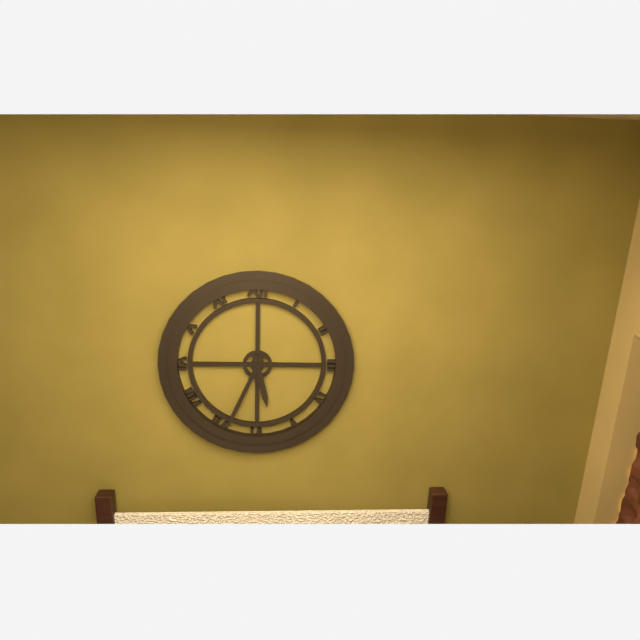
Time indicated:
{"hour": 5, "minute": 34}
